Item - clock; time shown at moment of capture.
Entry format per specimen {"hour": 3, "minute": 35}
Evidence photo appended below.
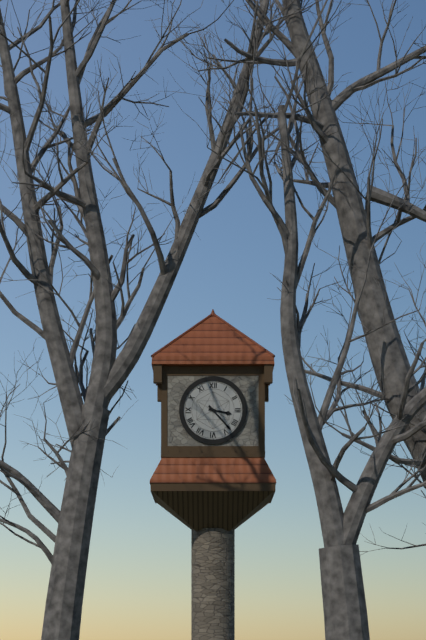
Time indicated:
{"hour": 3, "minute": 23}
